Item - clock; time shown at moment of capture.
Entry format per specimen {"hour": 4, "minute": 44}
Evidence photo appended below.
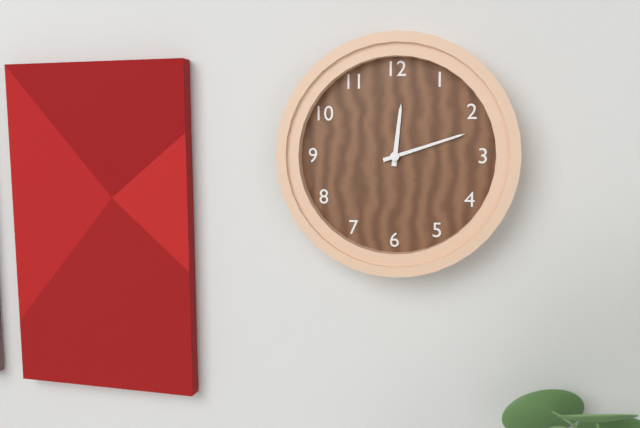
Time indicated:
{"hour": 12, "minute": 12}
